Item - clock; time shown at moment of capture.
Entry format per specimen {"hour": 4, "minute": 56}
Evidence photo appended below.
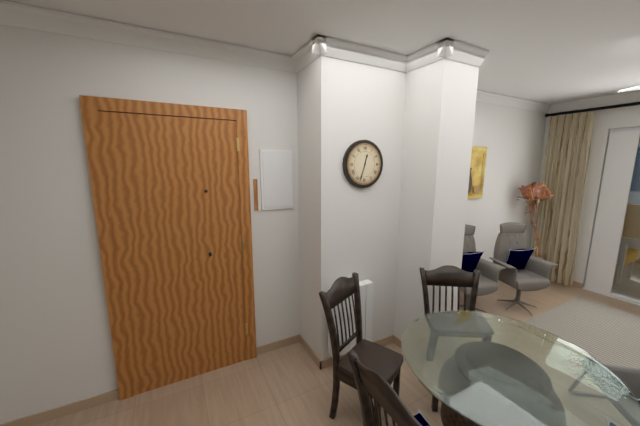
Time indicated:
{"hour": 12, "minute": 33}
